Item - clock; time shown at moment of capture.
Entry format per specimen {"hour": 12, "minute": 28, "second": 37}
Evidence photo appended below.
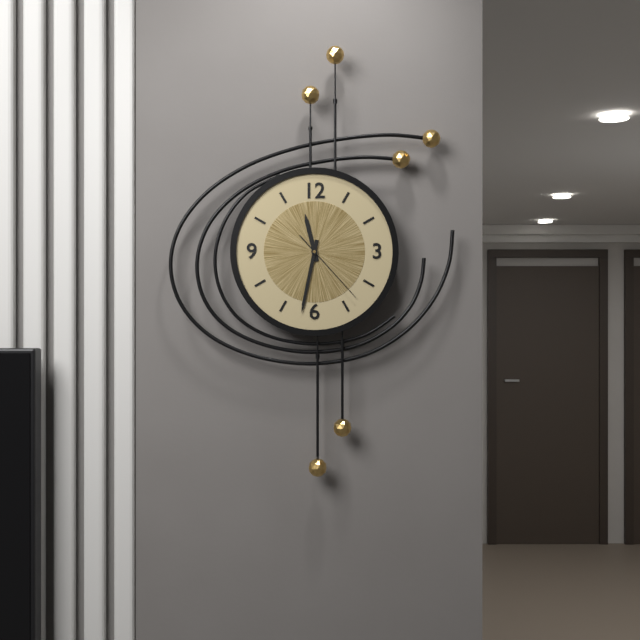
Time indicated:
{"hour": 11, "minute": 32, "second": 23}
